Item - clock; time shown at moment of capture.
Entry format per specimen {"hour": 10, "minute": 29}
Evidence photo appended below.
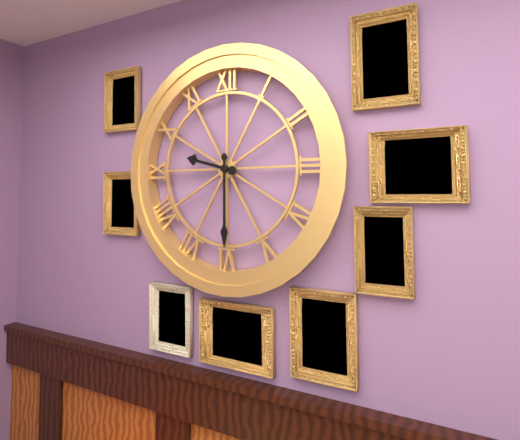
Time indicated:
{"hour": 9, "minute": 30}
